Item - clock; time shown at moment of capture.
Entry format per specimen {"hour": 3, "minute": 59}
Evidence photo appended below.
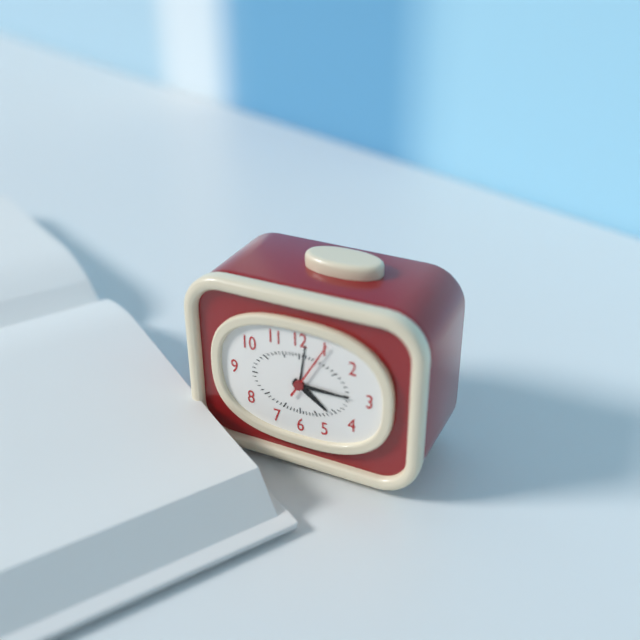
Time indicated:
{"hour": 4, "minute": 15}
